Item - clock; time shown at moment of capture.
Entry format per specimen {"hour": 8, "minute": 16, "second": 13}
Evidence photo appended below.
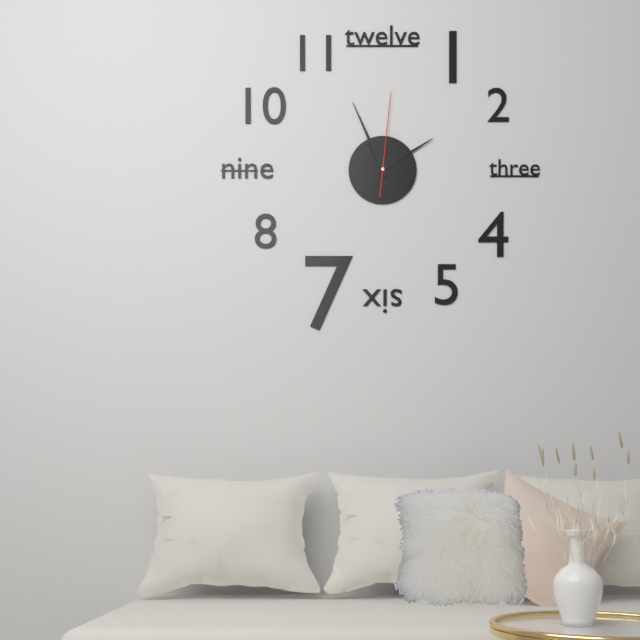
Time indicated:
{"hour": 1, "minute": 56, "second": 1}
